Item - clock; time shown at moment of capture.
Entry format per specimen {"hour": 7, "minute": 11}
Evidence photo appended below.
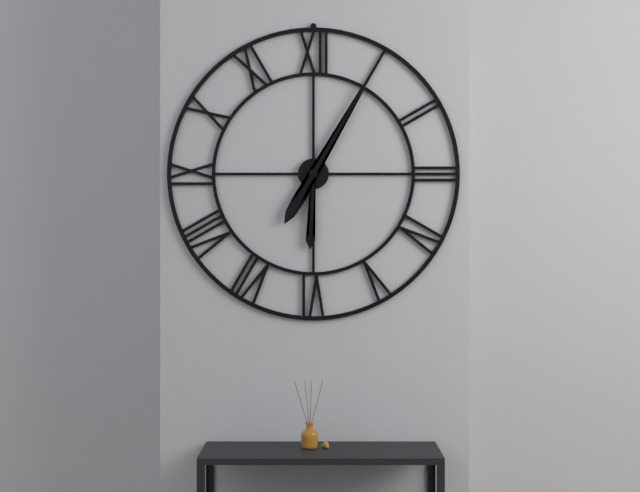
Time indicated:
{"hour": 6, "minute": 5}
